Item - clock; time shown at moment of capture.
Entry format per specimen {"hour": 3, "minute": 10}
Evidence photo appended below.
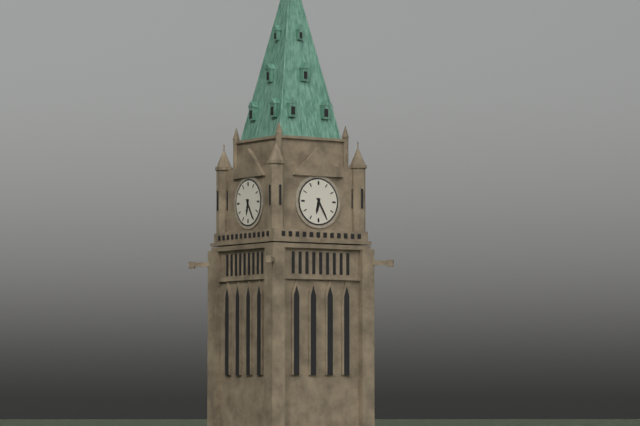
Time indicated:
{"hour": 6, "minute": 25}
